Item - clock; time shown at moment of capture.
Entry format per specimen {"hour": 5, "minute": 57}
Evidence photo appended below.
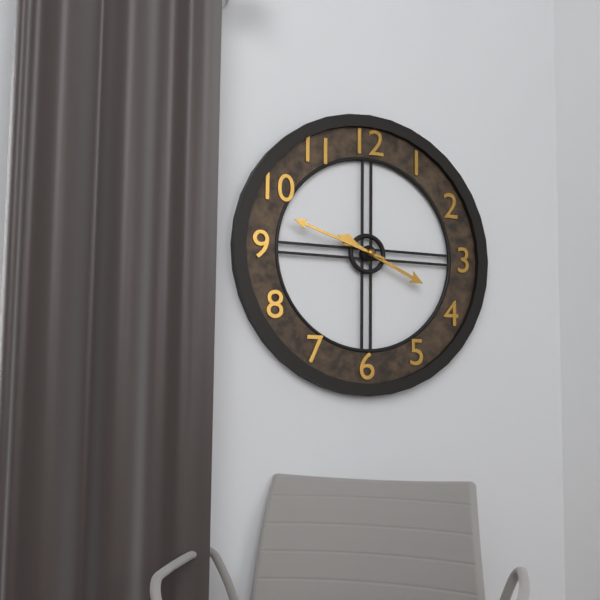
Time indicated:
{"hour": 3, "minute": 48}
